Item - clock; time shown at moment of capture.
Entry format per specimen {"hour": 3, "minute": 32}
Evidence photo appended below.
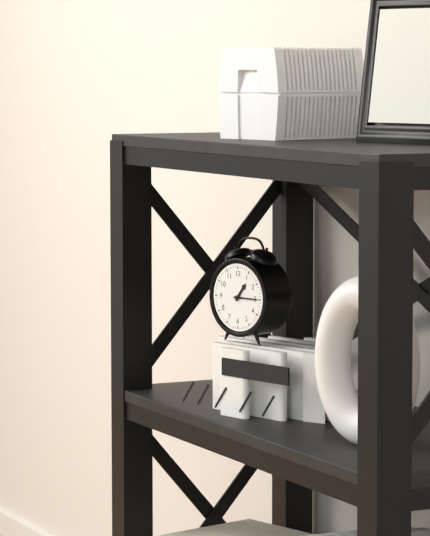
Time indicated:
{"hour": 1, "minute": 15}
